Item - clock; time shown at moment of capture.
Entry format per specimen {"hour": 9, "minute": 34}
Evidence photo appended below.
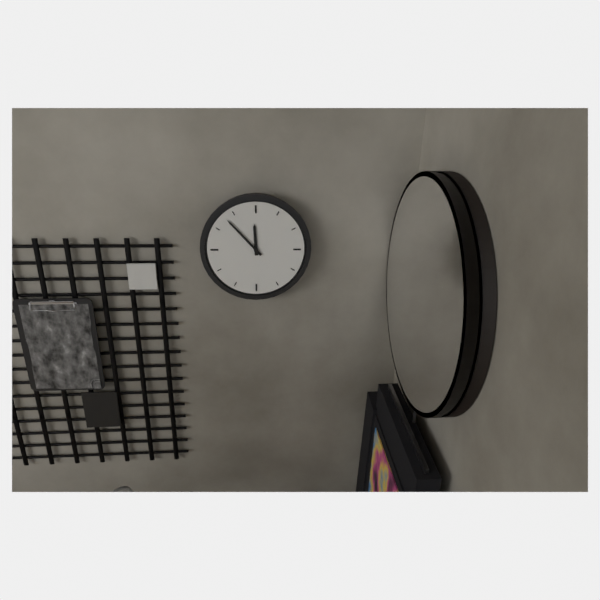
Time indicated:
{"hour": 11, "minute": 53}
